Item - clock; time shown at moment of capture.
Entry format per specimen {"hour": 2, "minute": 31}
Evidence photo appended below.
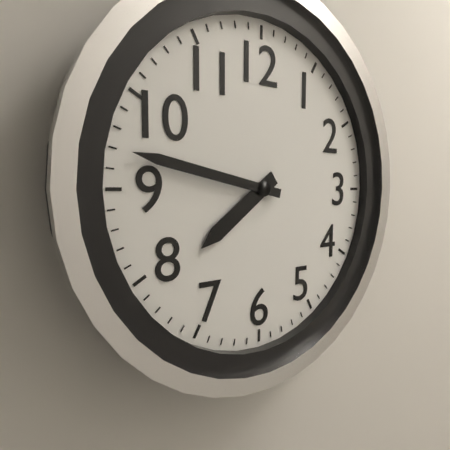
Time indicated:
{"hour": 7, "minute": 47}
